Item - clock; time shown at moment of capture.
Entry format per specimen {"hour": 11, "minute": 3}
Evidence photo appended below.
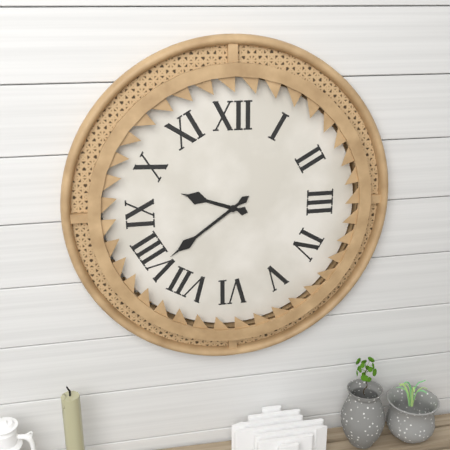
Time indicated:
{"hour": 9, "minute": 39}
